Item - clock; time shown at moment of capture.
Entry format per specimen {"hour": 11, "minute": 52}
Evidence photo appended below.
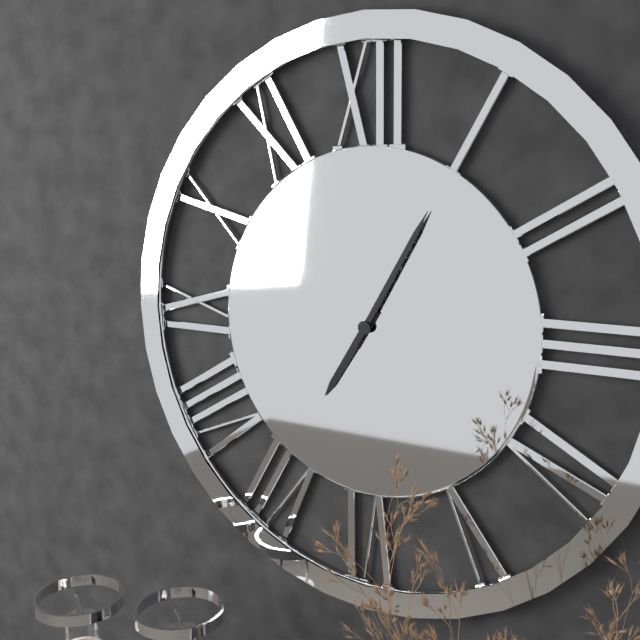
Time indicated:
{"hour": 7, "minute": 5}
